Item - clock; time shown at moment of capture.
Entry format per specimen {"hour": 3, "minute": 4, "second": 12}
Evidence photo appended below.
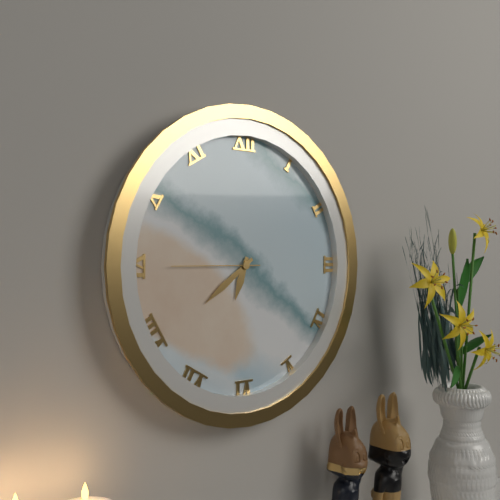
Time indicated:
{"hour": 6, "minute": 39, "second": 45}
